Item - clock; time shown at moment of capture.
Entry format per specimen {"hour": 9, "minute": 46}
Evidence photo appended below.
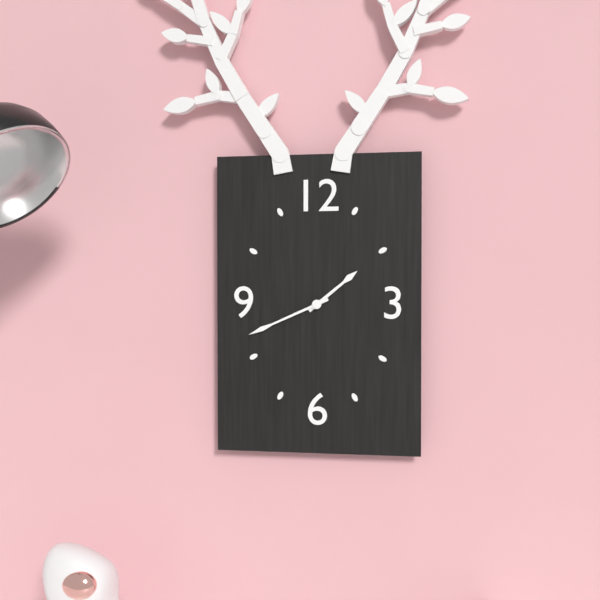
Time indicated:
{"hour": 1, "minute": 41}
